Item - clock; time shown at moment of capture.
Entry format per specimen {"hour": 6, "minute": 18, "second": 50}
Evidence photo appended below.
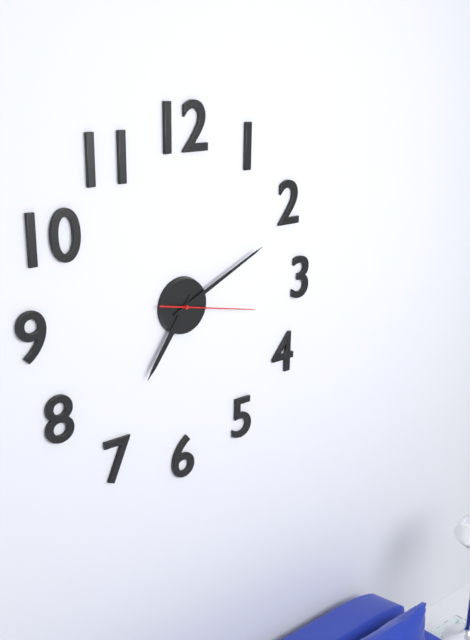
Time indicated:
{"hour": 7, "minute": 11, "second": 17}
